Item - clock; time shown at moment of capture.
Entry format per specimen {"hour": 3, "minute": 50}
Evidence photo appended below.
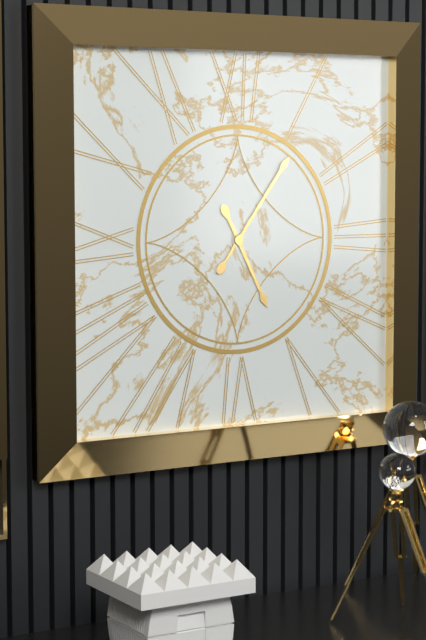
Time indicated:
{"hour": 5, "minute": 6}
